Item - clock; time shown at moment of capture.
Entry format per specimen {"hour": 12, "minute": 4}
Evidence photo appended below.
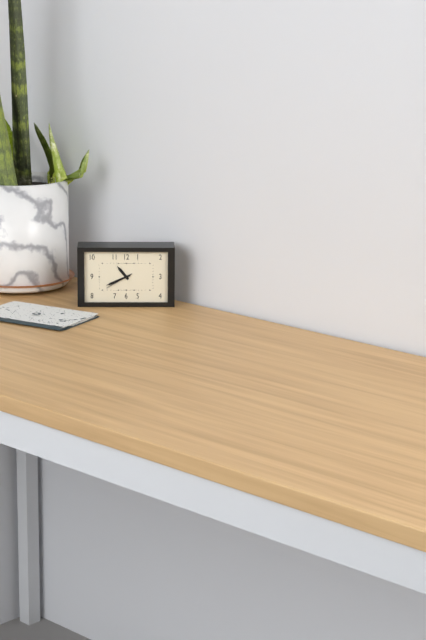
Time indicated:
{"hour": 10, "minute": 41}
